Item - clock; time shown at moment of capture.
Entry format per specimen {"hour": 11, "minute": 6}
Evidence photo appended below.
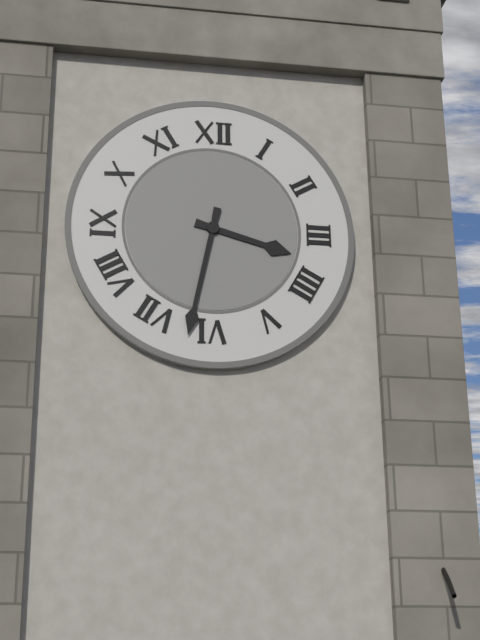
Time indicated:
{"hour": 3, "minute": 32}
